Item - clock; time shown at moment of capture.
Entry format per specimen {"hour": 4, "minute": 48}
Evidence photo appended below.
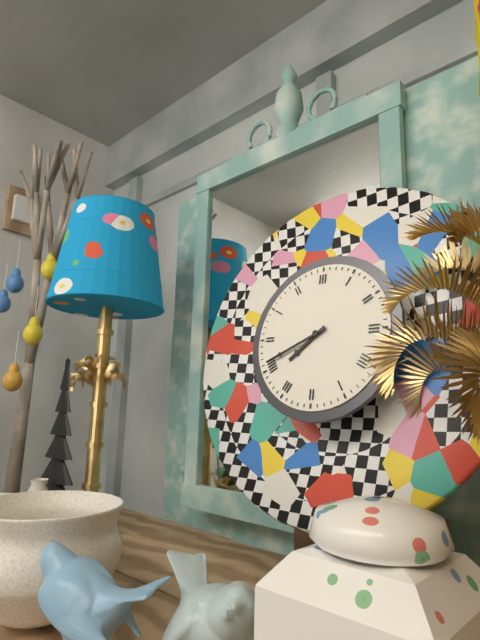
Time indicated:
{"hour": 7, "minute": 41}
